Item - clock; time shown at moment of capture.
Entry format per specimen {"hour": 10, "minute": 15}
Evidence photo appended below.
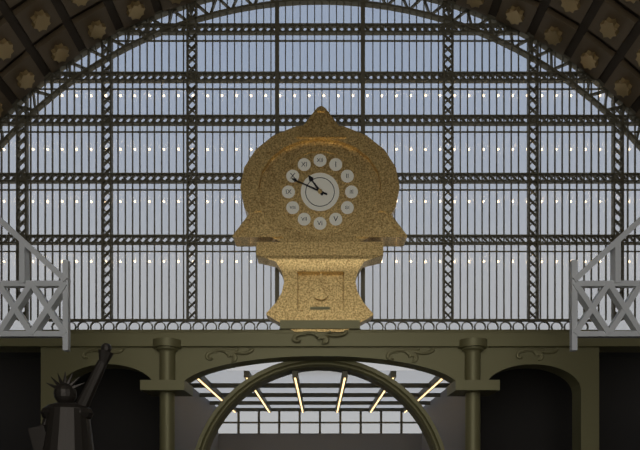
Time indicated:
{"hour": 10, "minute": 49}
